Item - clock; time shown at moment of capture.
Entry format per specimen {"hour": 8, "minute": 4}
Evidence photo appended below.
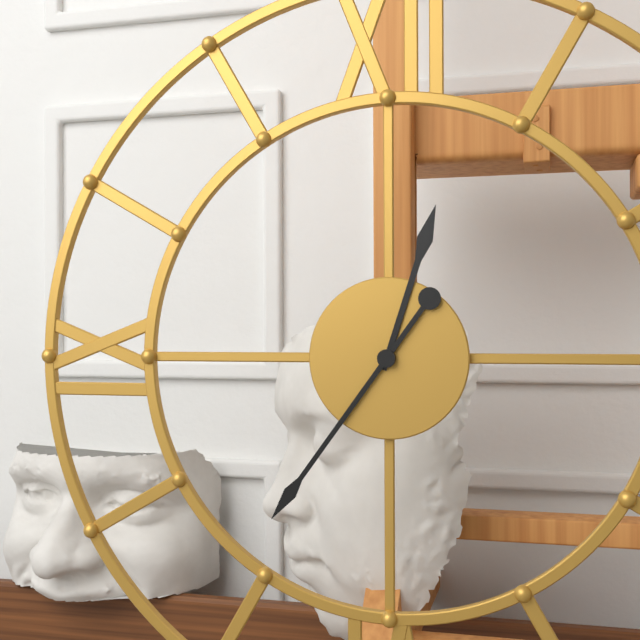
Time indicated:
{"hour": 12, "minute": 36}
